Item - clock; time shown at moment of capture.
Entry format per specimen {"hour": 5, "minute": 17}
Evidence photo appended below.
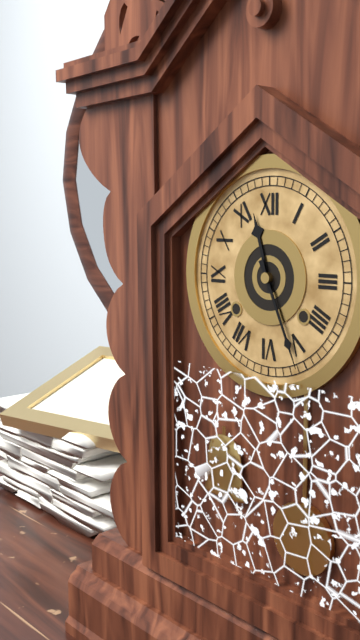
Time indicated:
{"hour": 11, "minute": 26}
